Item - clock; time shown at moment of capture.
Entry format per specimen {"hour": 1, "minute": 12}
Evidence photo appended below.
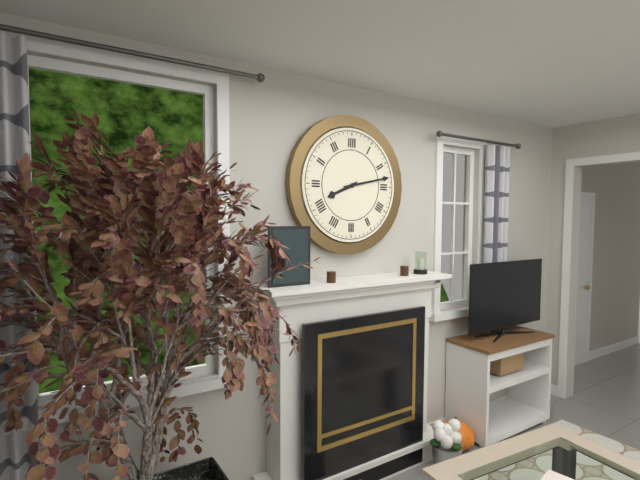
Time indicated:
{"hour": 8, "minute": 13}
